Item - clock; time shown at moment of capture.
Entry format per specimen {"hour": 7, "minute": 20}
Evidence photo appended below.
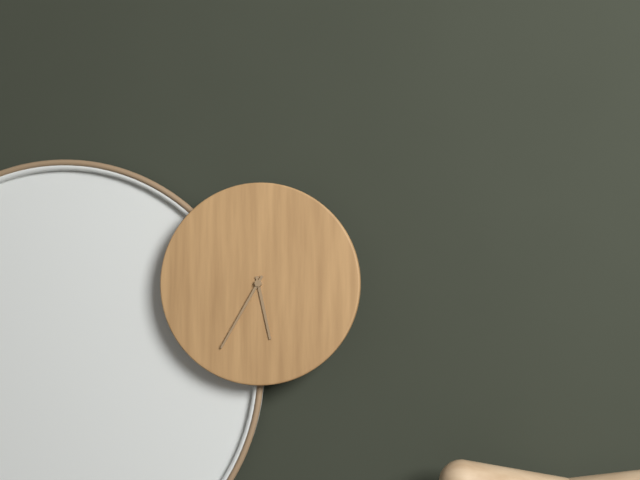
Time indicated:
{"hour": 5, "minute": 35}
